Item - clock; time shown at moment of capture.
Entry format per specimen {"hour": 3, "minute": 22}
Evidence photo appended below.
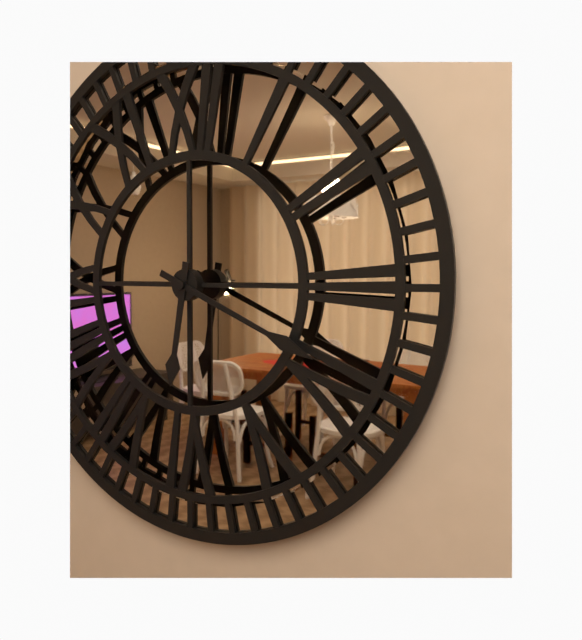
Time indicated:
{"hour": 6, "minute": 19}
